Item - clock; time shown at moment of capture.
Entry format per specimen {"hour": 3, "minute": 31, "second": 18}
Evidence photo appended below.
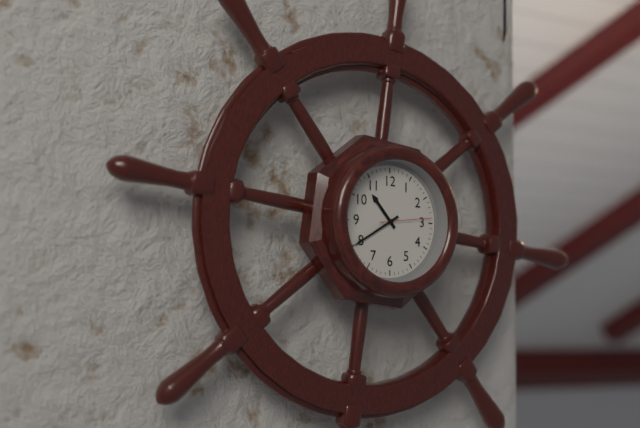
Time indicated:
{"hour": 10, "minute": 40, "second": 14}
